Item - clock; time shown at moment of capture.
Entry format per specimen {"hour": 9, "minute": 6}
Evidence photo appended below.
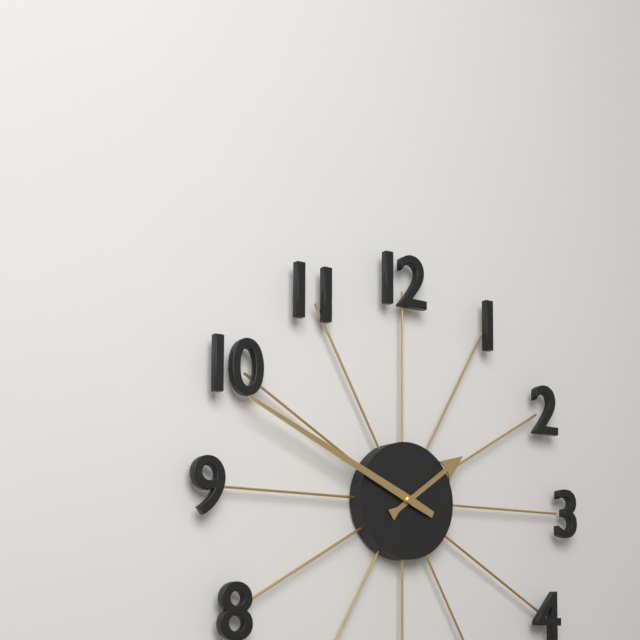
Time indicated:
{"hour": 1, "minute": 49}
